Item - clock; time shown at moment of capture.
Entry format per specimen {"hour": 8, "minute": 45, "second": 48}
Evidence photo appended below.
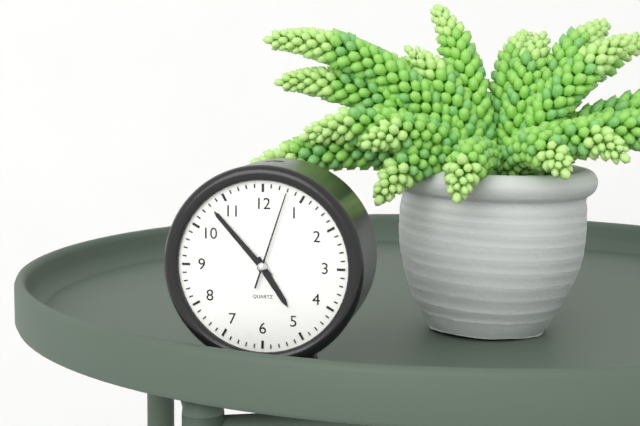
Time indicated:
{"hour": 4, "minute": 53, "second": 3}
